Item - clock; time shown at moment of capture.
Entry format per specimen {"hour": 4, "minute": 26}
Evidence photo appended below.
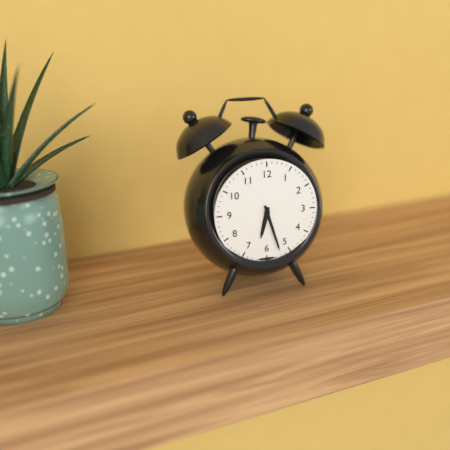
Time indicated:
{"hour": 6, "minute": 27}
